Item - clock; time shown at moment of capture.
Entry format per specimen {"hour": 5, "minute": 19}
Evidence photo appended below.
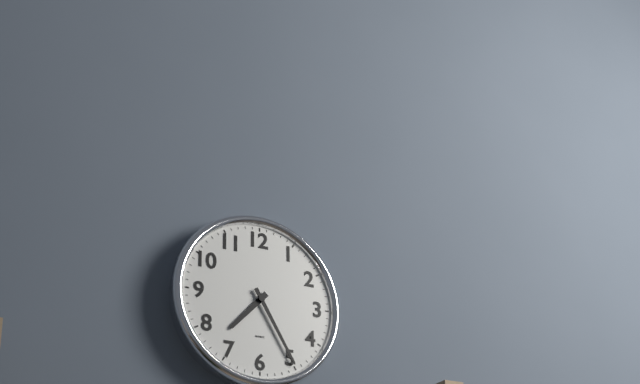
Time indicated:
{"hour": 7, "minute": 25}
